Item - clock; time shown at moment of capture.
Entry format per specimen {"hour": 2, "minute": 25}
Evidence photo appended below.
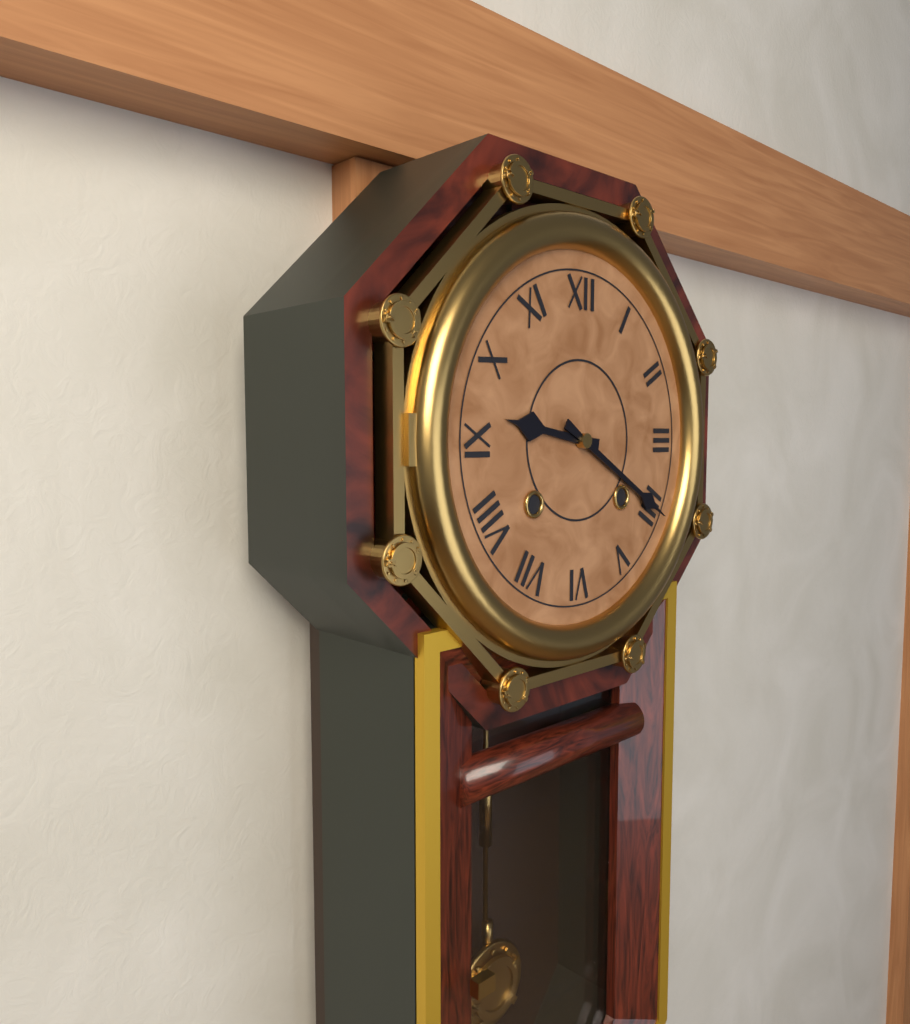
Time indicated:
{"hour": 9, "minute": 20}
